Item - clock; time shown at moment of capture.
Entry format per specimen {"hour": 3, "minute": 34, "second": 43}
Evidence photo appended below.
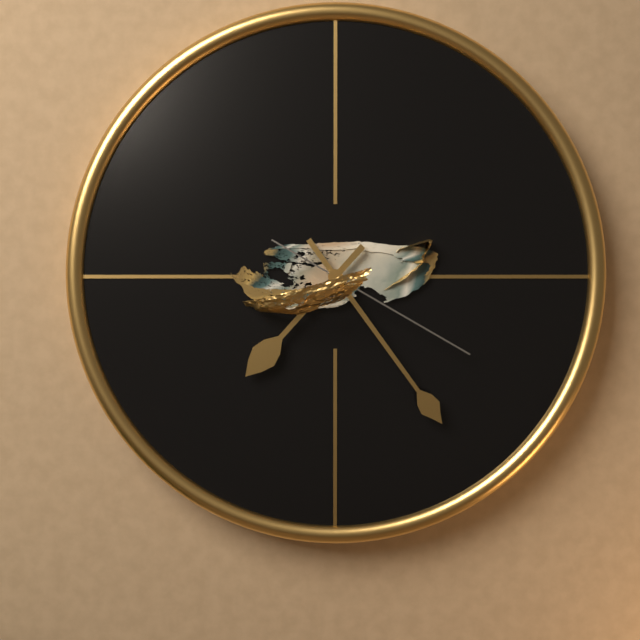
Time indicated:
{"hour": 7, "minute": 24, "second": 20}
